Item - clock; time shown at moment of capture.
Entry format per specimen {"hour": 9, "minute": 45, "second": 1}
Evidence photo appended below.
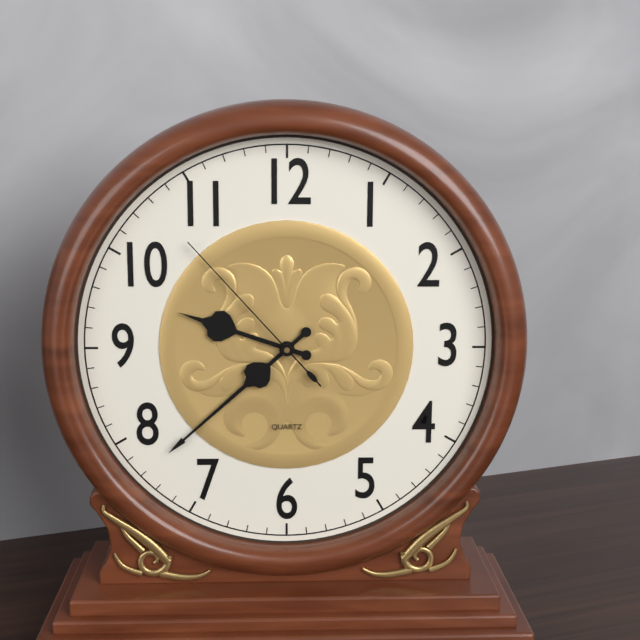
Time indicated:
{"hour": 9, "minute": 38, "second": 53}
